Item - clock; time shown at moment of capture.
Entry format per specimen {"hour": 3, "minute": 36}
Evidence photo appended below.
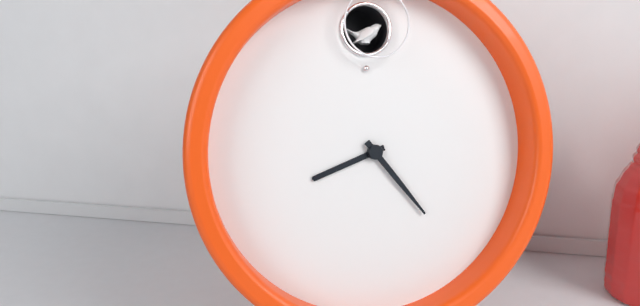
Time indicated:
{"hour": 8, "minute": 24}
